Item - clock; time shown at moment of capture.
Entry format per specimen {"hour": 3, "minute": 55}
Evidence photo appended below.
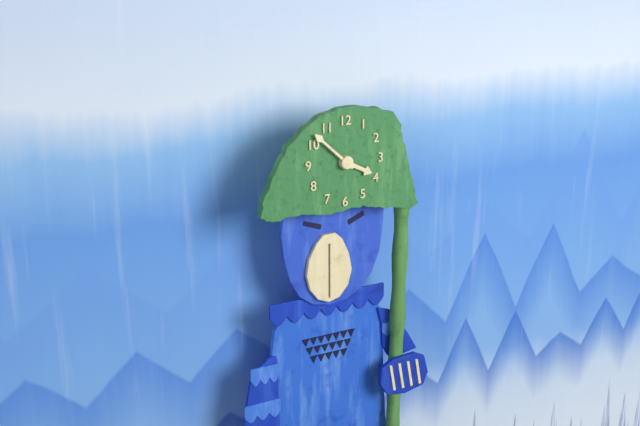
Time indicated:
{"hour": 3, "minute": 52}
